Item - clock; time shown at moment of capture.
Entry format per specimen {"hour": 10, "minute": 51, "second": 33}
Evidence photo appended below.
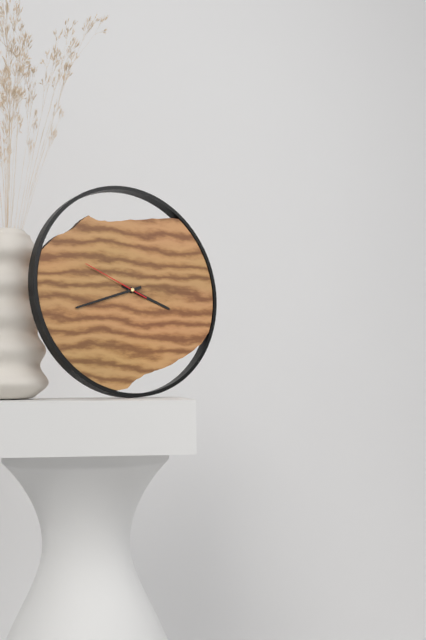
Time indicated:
{"hour": 3, "minute": 42, "second": 49}
